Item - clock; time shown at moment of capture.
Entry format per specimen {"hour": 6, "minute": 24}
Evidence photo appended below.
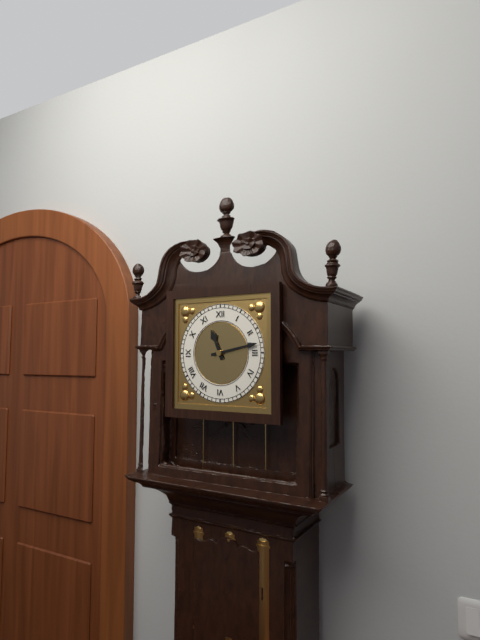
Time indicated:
{"hour": 11, "minute": 13}
